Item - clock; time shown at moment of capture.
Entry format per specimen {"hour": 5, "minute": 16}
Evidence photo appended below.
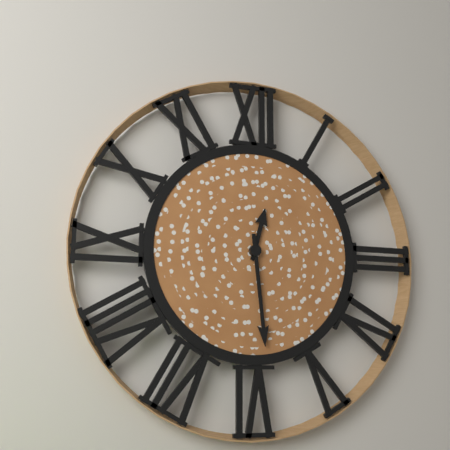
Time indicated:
{"hour": 12, "minute": 29}
